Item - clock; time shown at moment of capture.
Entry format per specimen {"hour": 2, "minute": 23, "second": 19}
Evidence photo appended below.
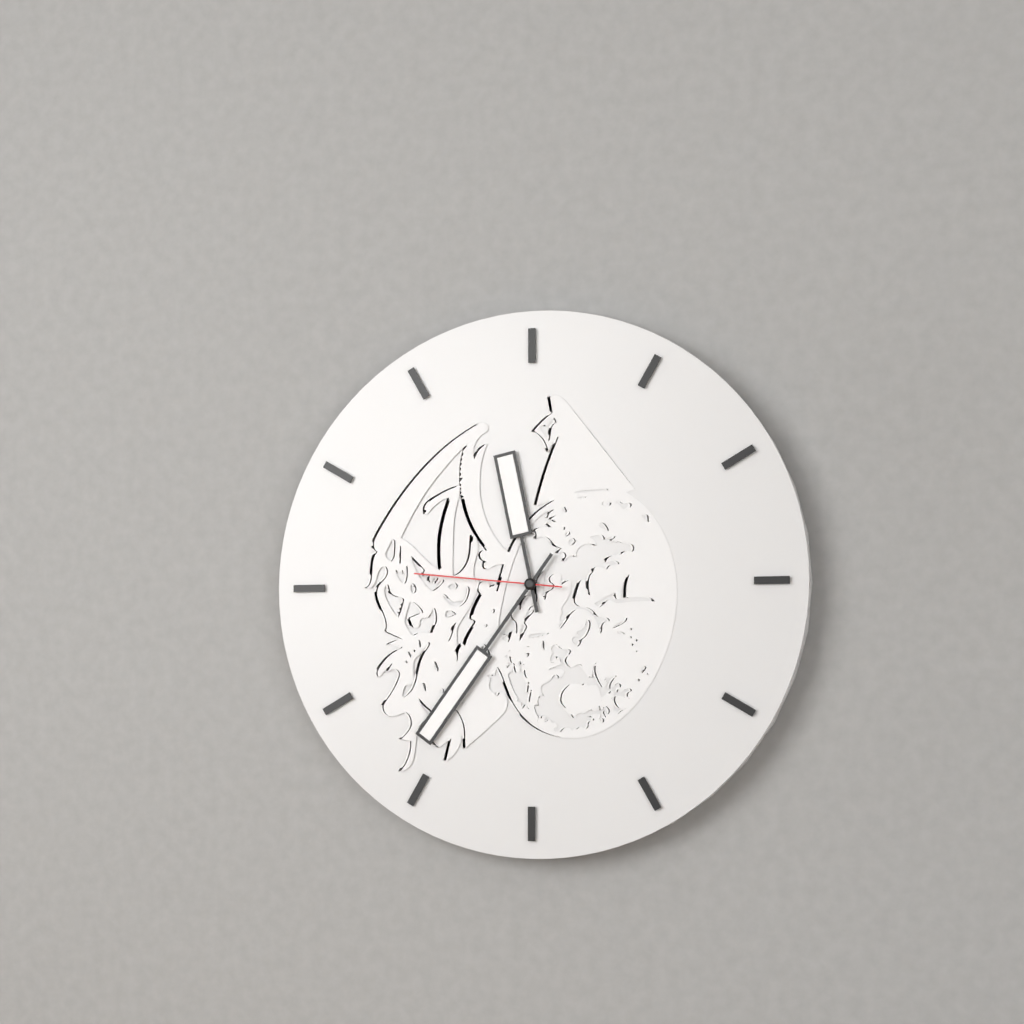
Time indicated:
{"hour": 11, "minute": 36, "second": 46}
